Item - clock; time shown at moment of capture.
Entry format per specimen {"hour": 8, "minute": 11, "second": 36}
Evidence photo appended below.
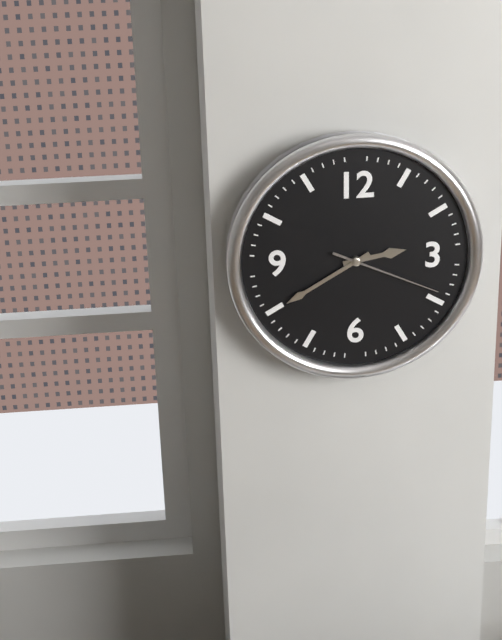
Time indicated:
{"hour": 2, "minute": 40, "second": 19}
